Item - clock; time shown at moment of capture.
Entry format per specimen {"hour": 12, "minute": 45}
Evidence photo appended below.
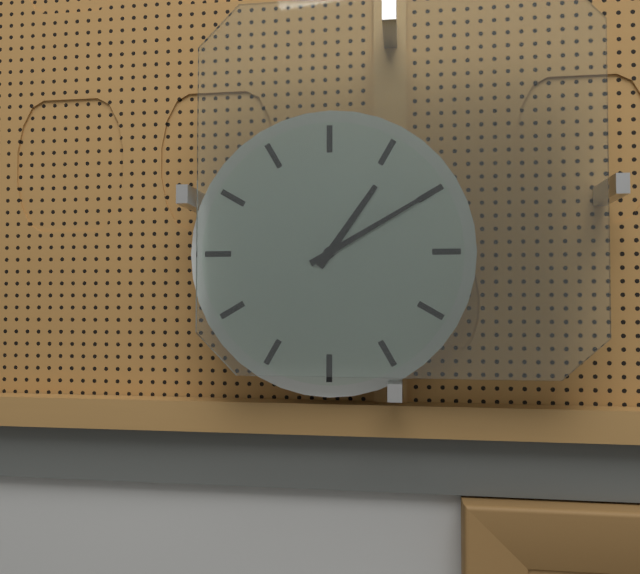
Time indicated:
{"hour": 1, "minute": 10}
